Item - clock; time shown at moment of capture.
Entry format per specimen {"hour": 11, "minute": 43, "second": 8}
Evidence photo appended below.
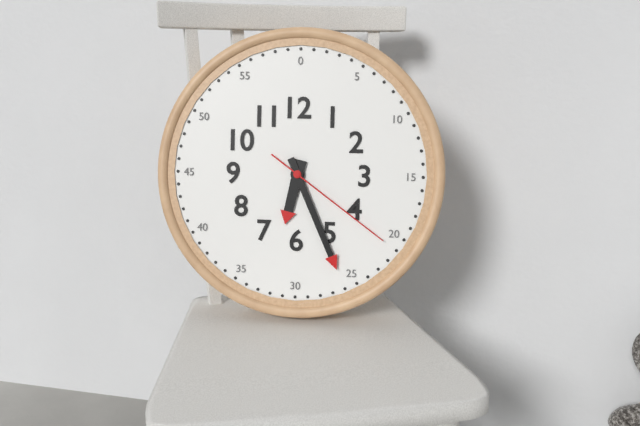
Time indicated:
{"hour": 6, "minute": 26, "second": 21}
